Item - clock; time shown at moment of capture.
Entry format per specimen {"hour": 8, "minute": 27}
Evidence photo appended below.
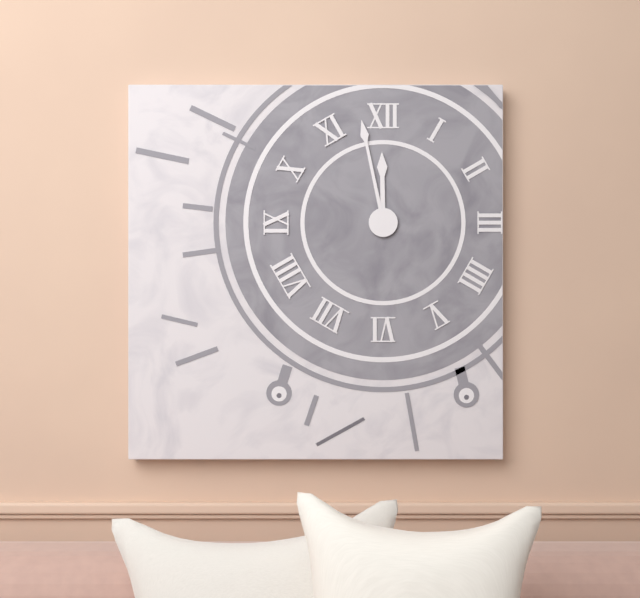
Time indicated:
{"hour": 11, "minute": 58}
